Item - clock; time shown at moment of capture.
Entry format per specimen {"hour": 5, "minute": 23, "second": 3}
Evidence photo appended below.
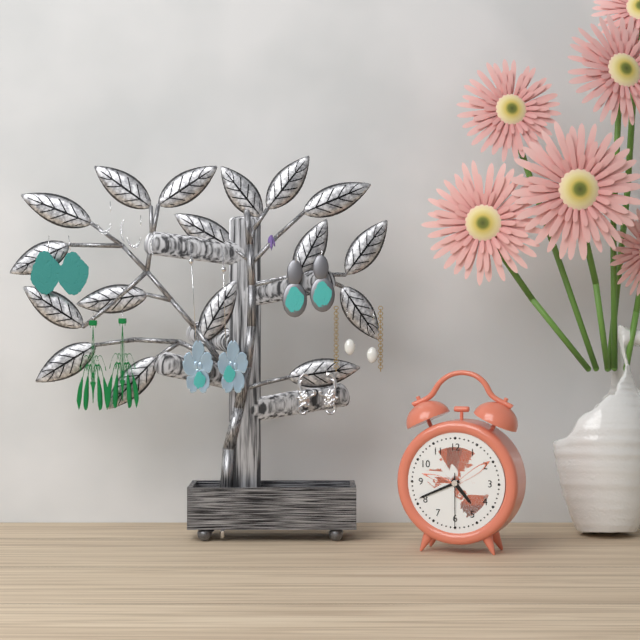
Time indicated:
{"hour": 4, "minute": 41, "second": 30}
